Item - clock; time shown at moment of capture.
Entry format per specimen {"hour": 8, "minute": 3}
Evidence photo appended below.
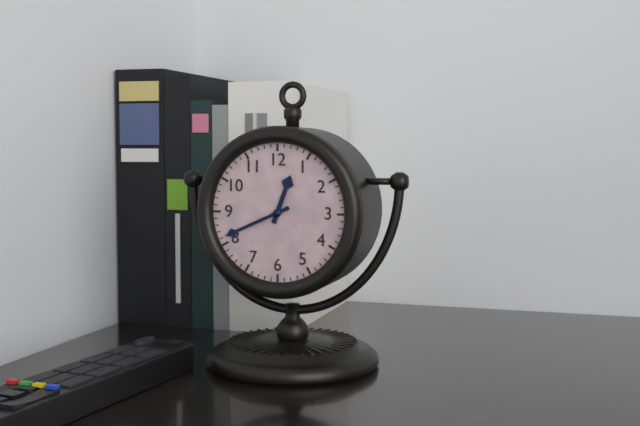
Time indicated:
{"hour": 12, "minute": 41}
